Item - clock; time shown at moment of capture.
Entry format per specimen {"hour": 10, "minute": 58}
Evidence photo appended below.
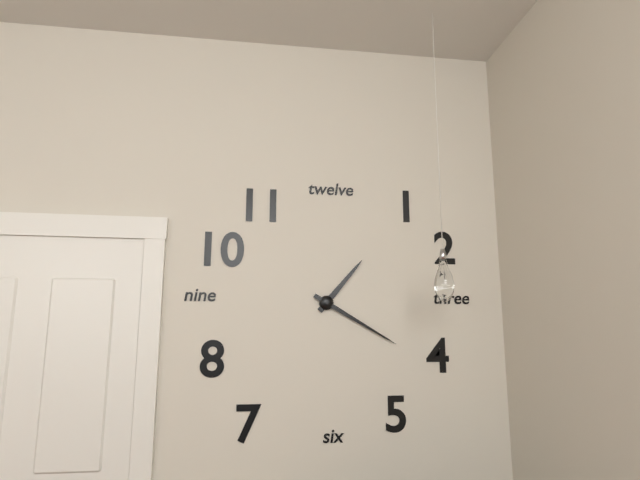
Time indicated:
{"hour": 1, "minute": 20}
